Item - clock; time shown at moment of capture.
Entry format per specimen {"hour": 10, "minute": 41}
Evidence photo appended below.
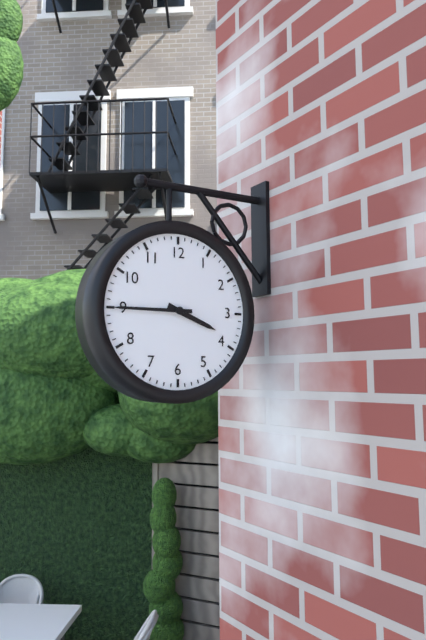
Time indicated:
{"hour": 3, "minute": 45}
